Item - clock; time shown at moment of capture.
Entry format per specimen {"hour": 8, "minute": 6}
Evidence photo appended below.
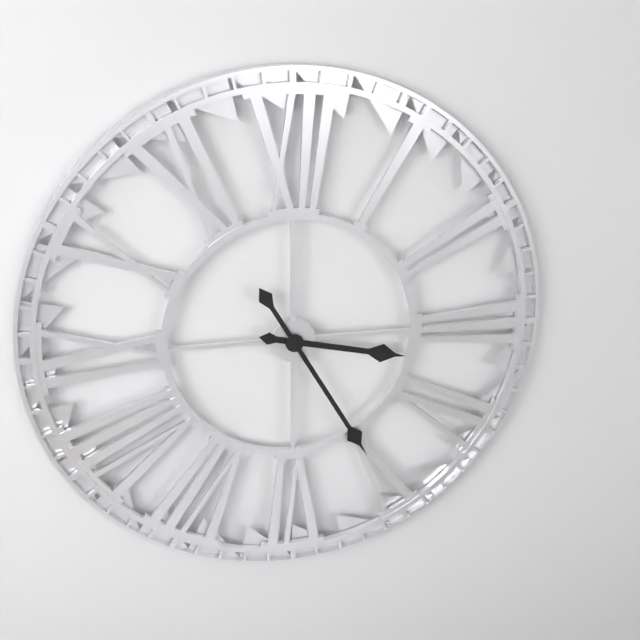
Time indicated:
{"hour": 3, "minute": 25}
